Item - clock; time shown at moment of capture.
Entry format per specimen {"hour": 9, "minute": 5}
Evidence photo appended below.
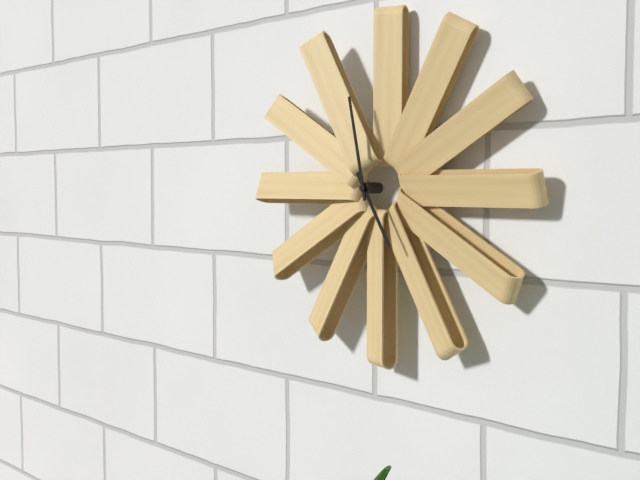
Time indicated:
{"hour": 4, "minute": 58}
